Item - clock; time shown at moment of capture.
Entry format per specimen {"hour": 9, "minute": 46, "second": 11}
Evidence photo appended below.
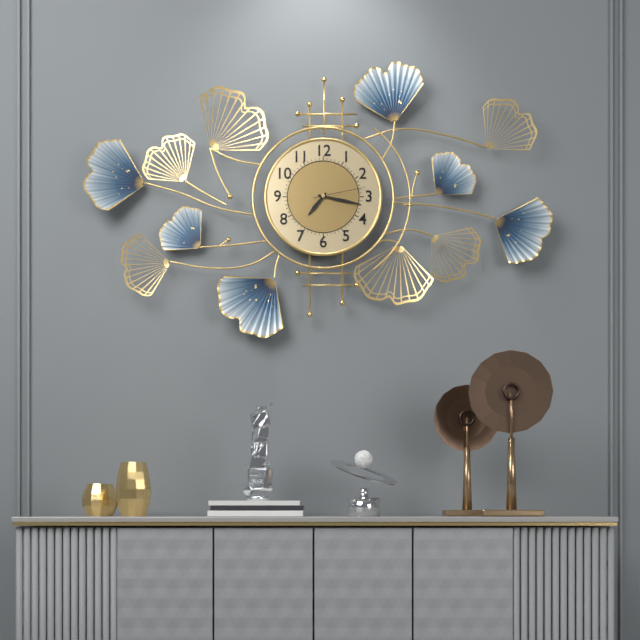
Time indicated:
{"hour": 7, "minute": 17, "second": 13}
